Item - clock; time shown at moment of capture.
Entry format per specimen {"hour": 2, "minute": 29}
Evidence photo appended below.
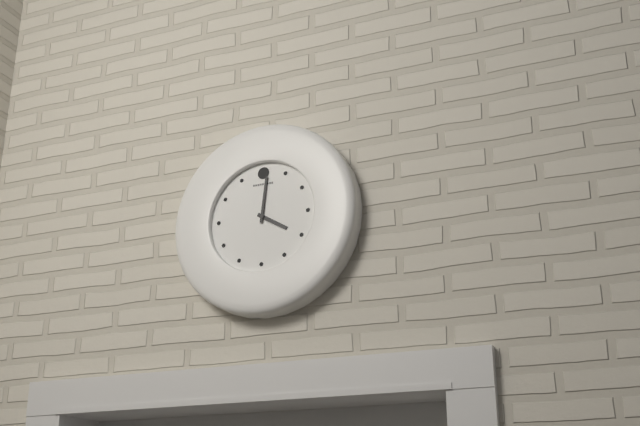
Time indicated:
{"hour": 4, "minute": 1}
